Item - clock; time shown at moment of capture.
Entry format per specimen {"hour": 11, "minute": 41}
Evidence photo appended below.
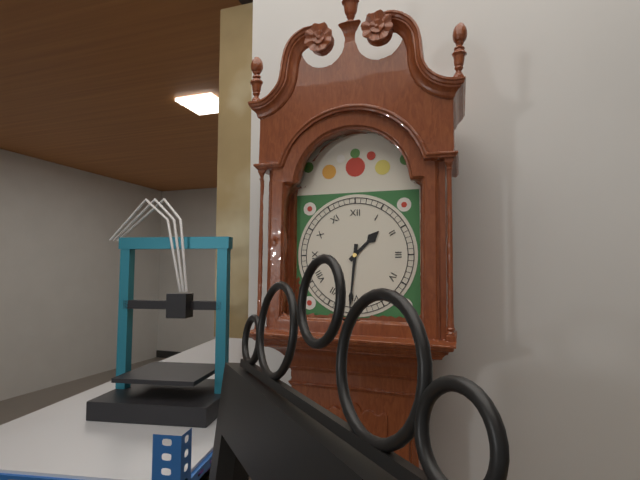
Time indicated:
{"hour": 1, "minute": 31}
